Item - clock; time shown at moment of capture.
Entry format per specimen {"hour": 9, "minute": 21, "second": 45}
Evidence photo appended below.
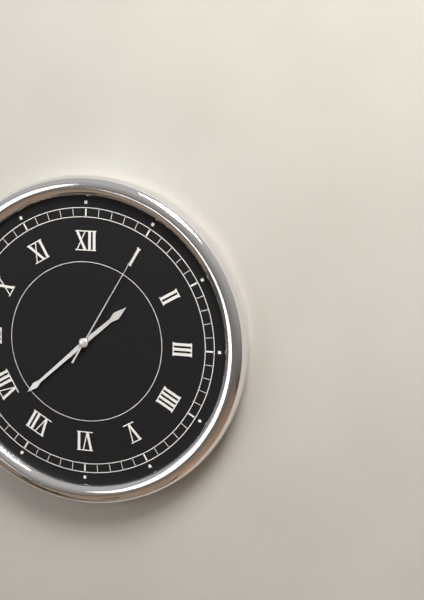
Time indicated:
{"hour": 1, "minute": 38, "second": 5}
